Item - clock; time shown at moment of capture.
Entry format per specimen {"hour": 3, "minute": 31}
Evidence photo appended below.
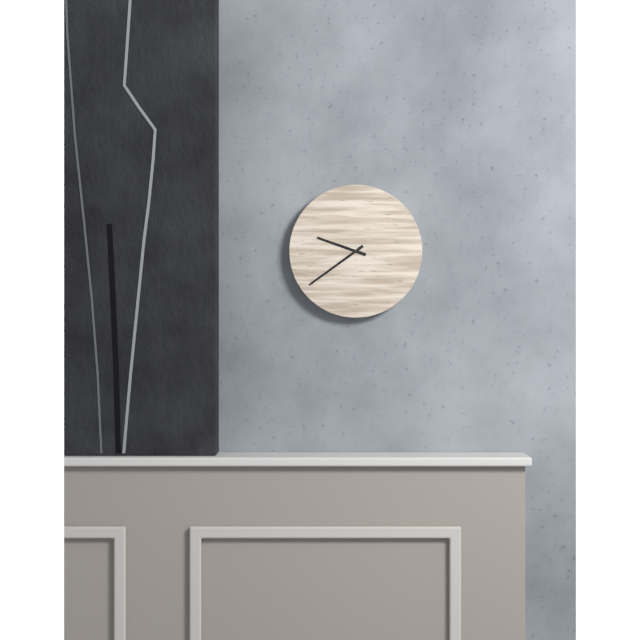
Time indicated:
{"hour": 9, "minute": 39}
